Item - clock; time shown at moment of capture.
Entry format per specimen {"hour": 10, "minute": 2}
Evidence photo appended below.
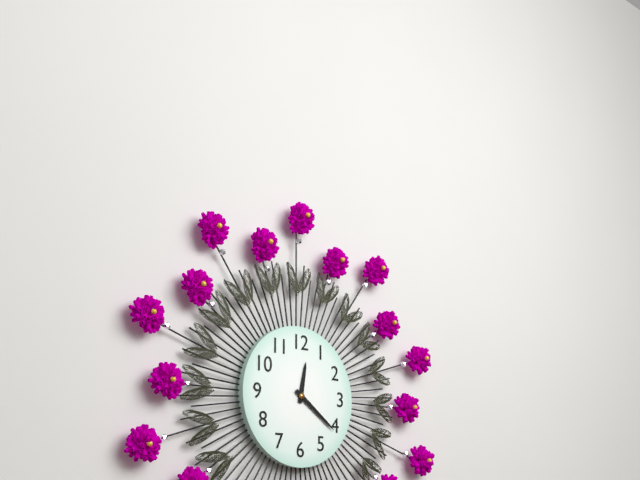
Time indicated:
{"hour": 12, "minute": 21}
